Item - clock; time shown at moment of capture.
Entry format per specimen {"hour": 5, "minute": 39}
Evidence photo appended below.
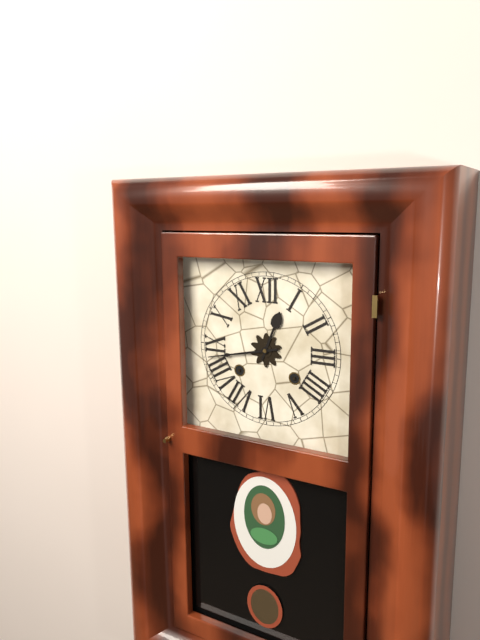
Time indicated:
{"hour": 12, "minute": 43}
